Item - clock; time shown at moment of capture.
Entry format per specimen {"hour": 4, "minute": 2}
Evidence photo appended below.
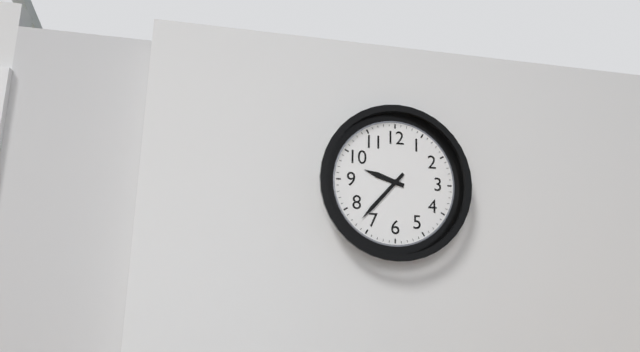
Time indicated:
{"hour": 9, "minute": 37}
